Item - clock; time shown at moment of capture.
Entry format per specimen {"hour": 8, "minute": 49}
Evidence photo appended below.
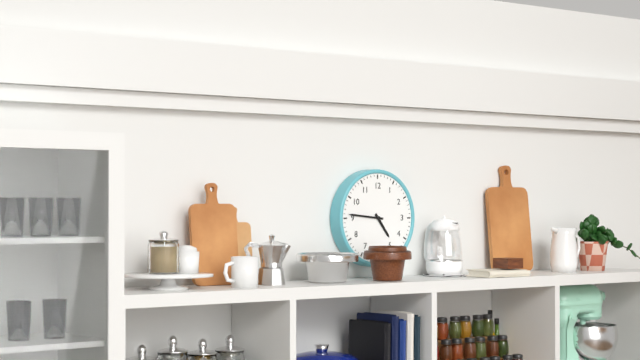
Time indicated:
{"hour": 4, "minute": 46}
